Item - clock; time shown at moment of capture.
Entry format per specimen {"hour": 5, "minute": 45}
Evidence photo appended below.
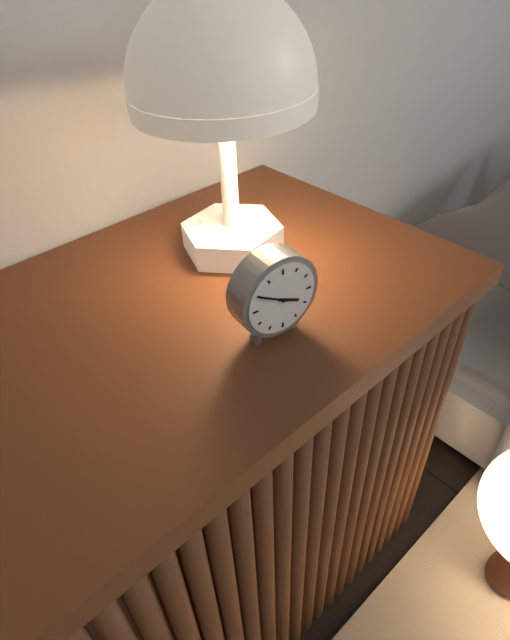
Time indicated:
{"hour": 3, "minute": 50}
